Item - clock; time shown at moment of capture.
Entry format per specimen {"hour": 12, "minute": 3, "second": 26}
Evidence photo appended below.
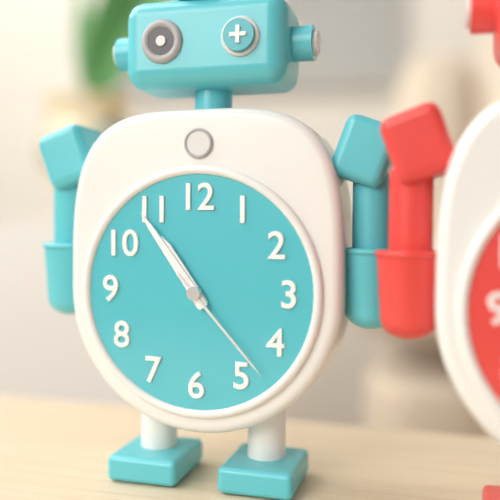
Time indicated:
{"hour": 10, "minute": 54, "second": 23}
